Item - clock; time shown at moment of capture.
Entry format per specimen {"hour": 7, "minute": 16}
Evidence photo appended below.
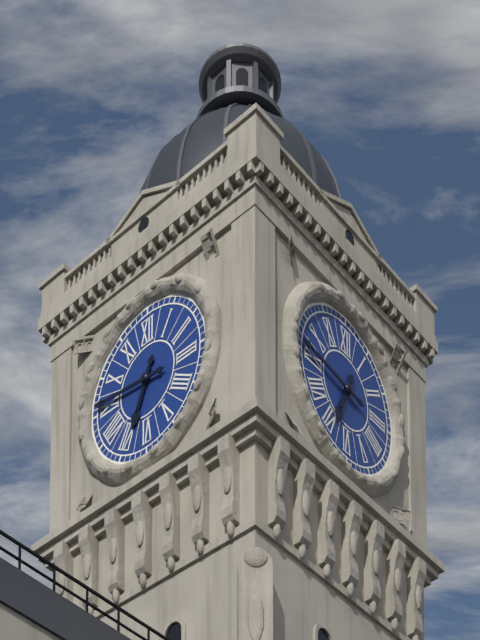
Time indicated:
{"hour": 6, "minute": 46}
